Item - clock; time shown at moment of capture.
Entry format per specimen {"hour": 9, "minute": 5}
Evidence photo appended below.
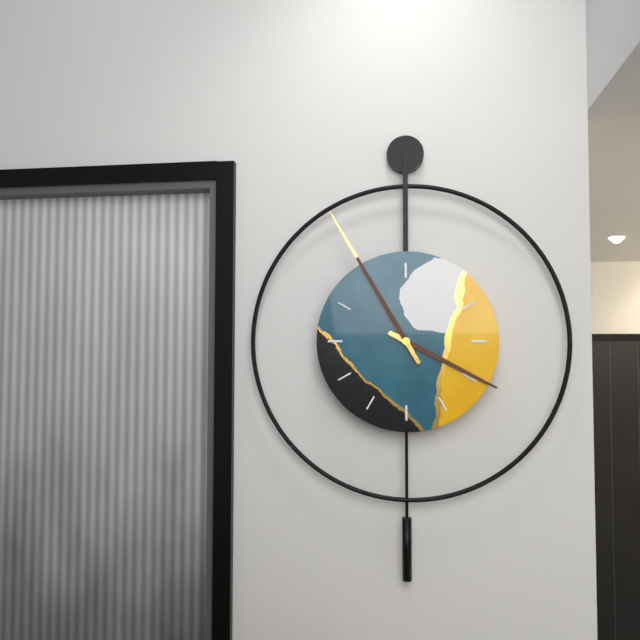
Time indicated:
{"hour": 3, "minute": 55}
